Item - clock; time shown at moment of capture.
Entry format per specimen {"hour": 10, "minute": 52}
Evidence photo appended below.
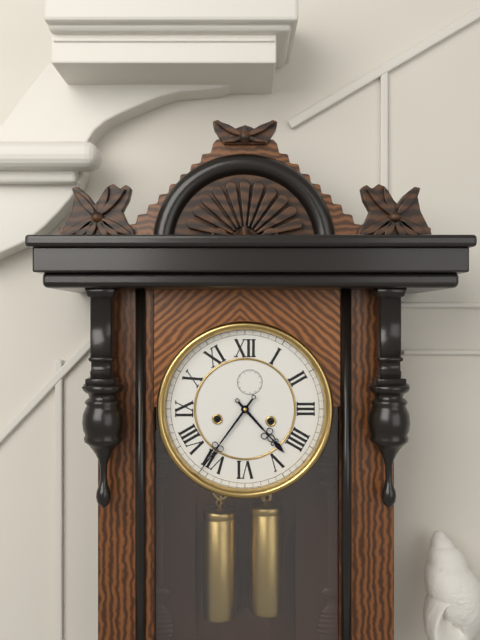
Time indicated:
{"hour": 4, "minute": 36}
